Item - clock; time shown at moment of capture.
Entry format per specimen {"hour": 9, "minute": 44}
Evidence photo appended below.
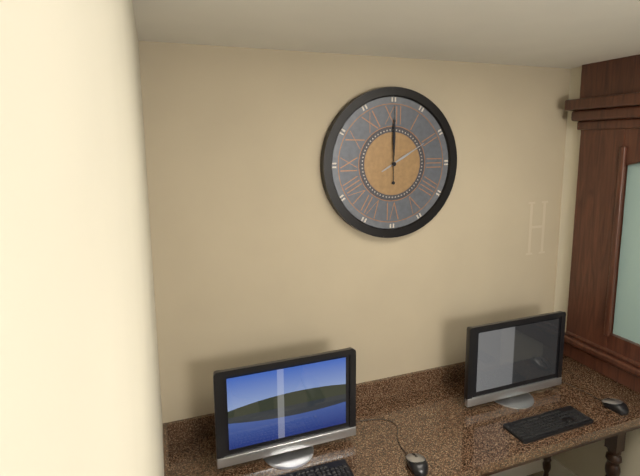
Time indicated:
{"hour": 2, "minute": 0}
